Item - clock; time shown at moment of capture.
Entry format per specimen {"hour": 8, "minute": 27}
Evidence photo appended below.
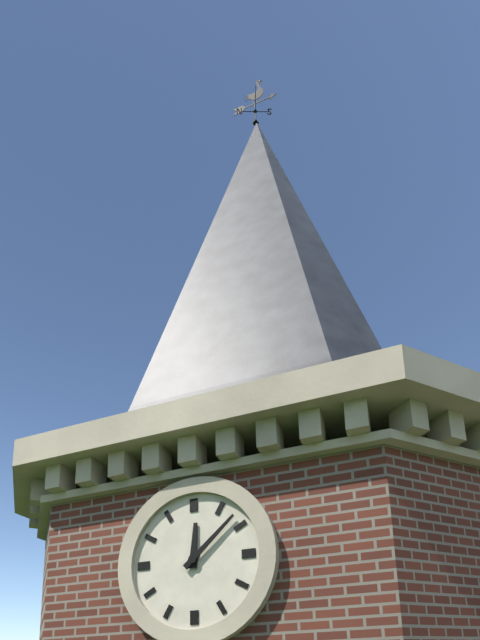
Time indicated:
{"hour": 12, "minute": 8}
